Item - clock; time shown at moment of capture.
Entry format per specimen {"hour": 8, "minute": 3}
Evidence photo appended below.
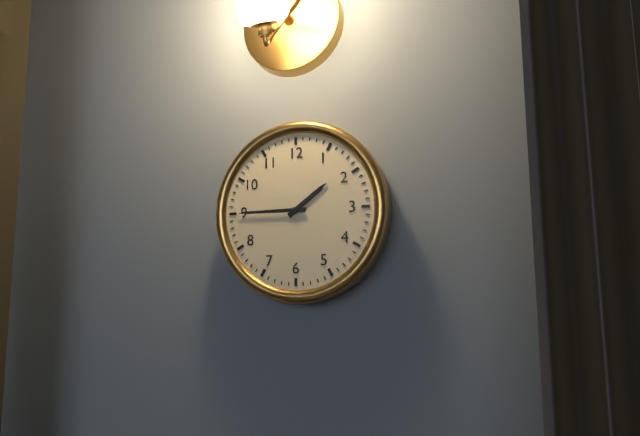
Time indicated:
{"hour": 1, "minute": 45}
